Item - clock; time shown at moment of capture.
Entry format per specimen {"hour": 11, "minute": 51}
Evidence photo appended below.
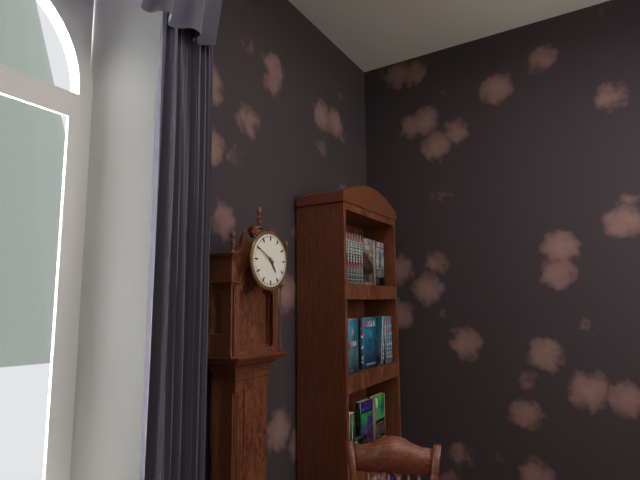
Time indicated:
{"hour": 4, "minute": 50}
